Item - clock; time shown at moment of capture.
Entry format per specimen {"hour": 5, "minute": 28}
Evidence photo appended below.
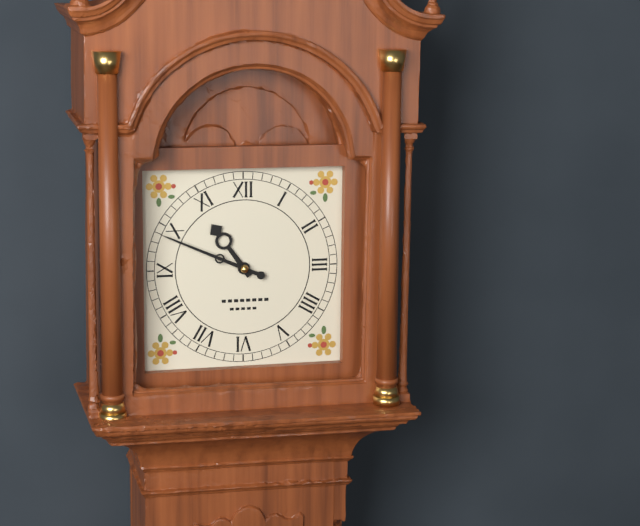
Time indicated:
{"hour": 10, "minute": 49}
